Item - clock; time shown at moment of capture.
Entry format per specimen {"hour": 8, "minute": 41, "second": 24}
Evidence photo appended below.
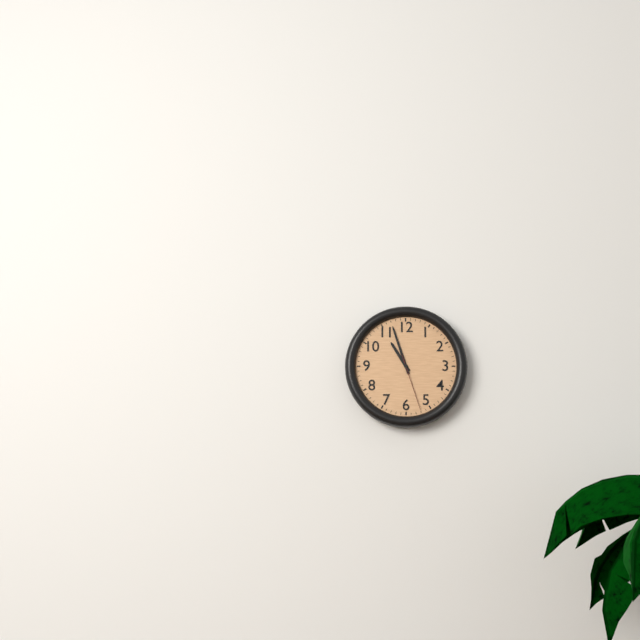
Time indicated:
{"hour": 10, "minute": 57, "second": 27}
